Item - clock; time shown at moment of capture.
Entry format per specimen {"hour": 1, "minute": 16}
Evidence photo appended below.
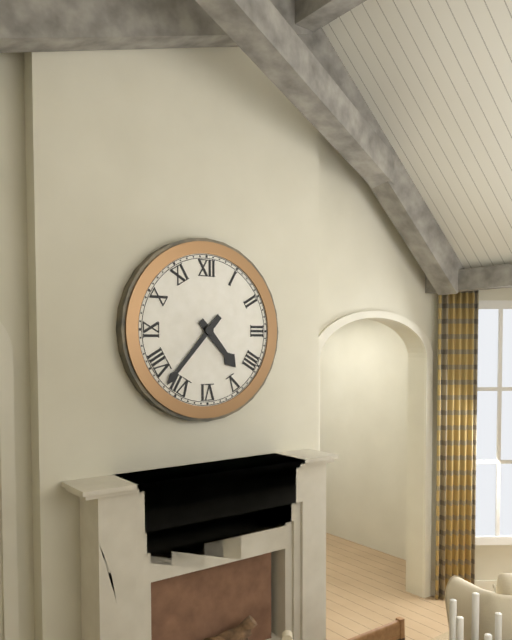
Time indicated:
{"hour": 4, "minute": 37}
